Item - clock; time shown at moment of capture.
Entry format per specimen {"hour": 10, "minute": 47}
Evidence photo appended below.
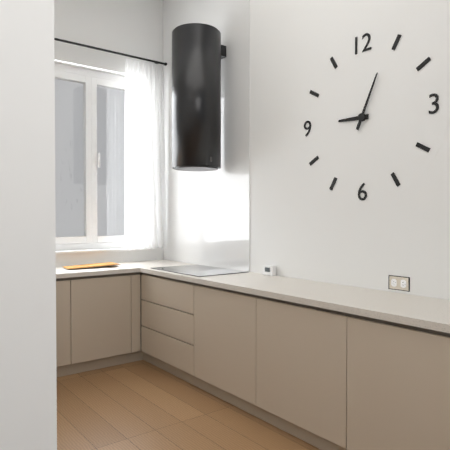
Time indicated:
{"hour": 9, "minute": 4}
